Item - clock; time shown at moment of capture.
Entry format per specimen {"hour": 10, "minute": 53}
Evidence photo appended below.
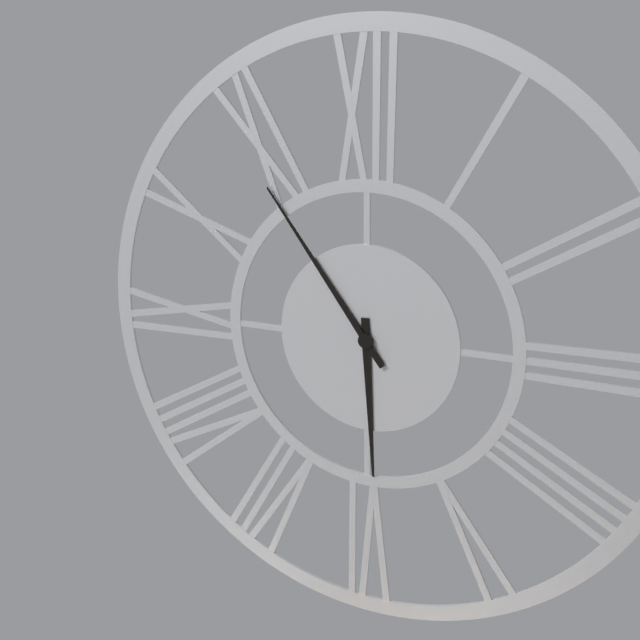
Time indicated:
{"hour": 5, "minute": 54}
